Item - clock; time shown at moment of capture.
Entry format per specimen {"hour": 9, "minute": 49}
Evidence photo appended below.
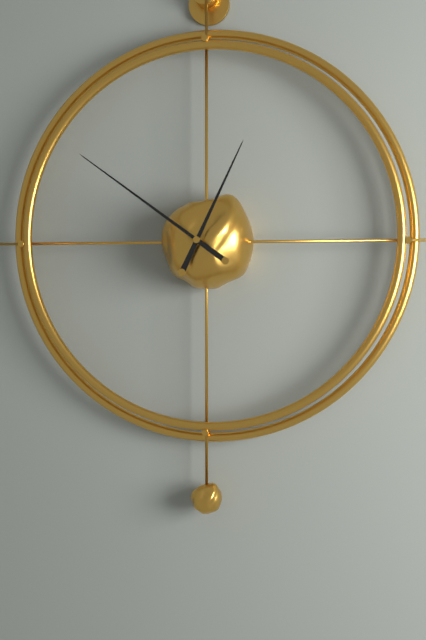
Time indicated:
{"hour": 12, "minute": 51}
